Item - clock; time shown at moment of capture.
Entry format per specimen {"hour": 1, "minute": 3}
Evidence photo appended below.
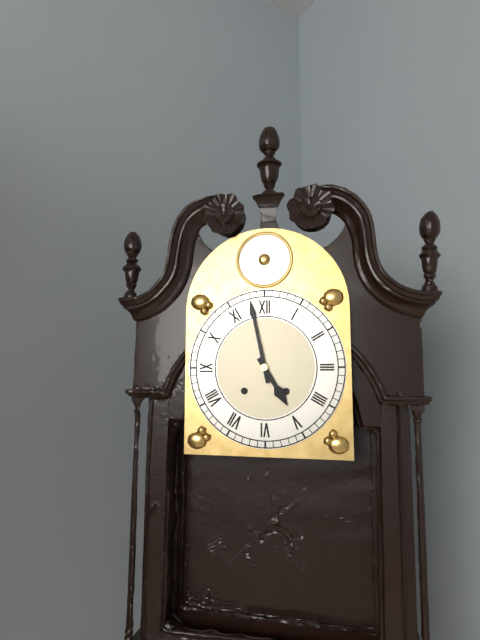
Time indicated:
{"hour": 4, "minute": 58}
